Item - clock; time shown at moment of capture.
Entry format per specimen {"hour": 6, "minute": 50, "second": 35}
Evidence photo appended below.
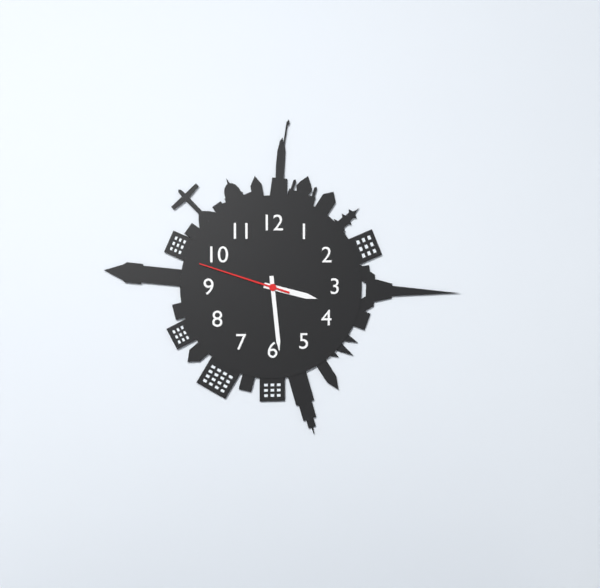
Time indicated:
{"hour": 3, "minute": 29, "second": 48}
